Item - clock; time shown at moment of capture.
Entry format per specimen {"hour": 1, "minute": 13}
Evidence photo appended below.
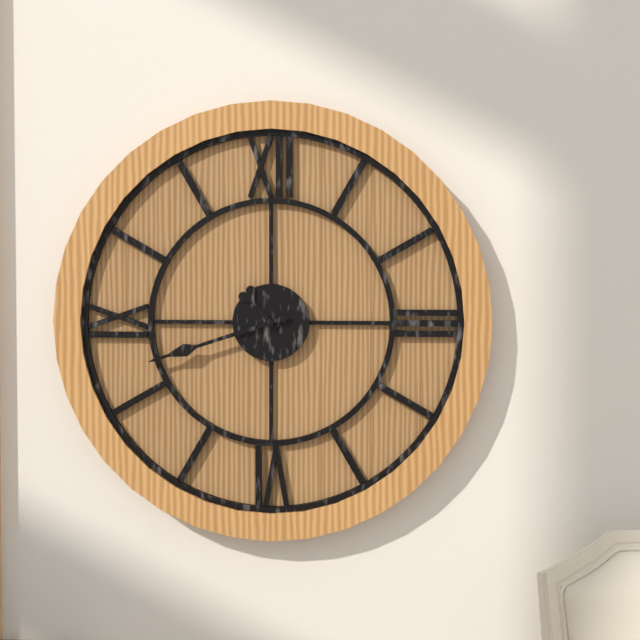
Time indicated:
{"hour": 10, "minute": 42}
